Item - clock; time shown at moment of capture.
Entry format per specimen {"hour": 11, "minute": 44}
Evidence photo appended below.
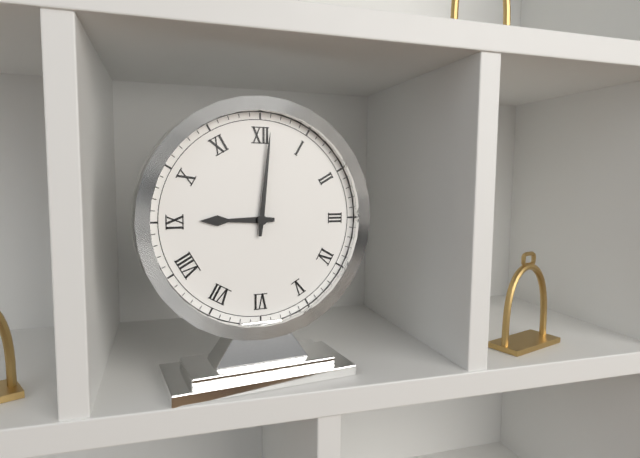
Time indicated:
{"hour": 9, "minute": 1}
